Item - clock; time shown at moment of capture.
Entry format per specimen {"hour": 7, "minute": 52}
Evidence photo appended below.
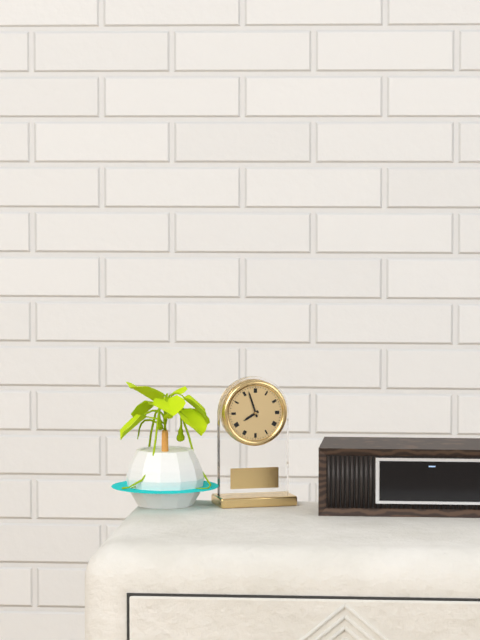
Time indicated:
{"hour": 7, "minute": 57}
